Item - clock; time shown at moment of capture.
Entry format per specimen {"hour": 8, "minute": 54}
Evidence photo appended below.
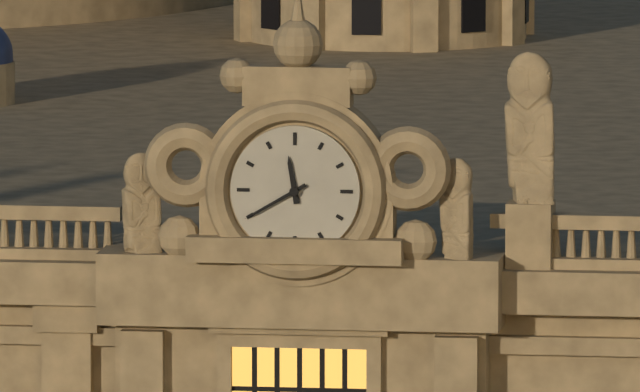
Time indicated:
{"hour": 11, "minute": 40}
